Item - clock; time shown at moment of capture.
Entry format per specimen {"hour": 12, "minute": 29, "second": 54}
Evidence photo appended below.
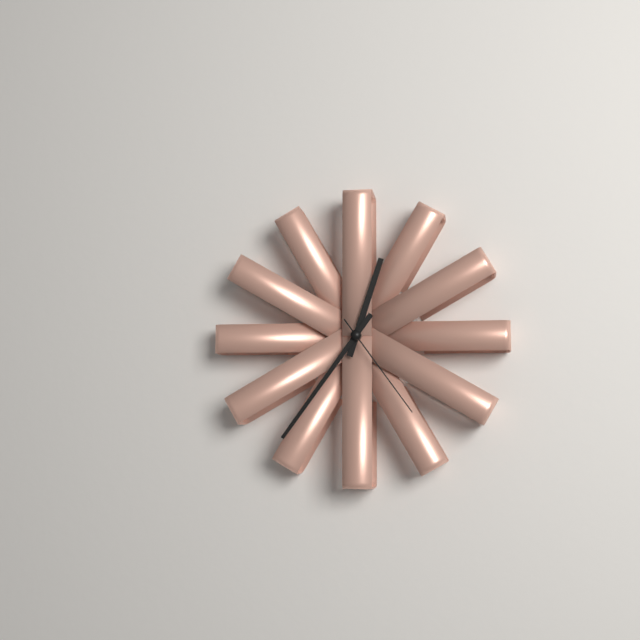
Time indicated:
{"hour": 12, "minute": 36, "second": 24}
